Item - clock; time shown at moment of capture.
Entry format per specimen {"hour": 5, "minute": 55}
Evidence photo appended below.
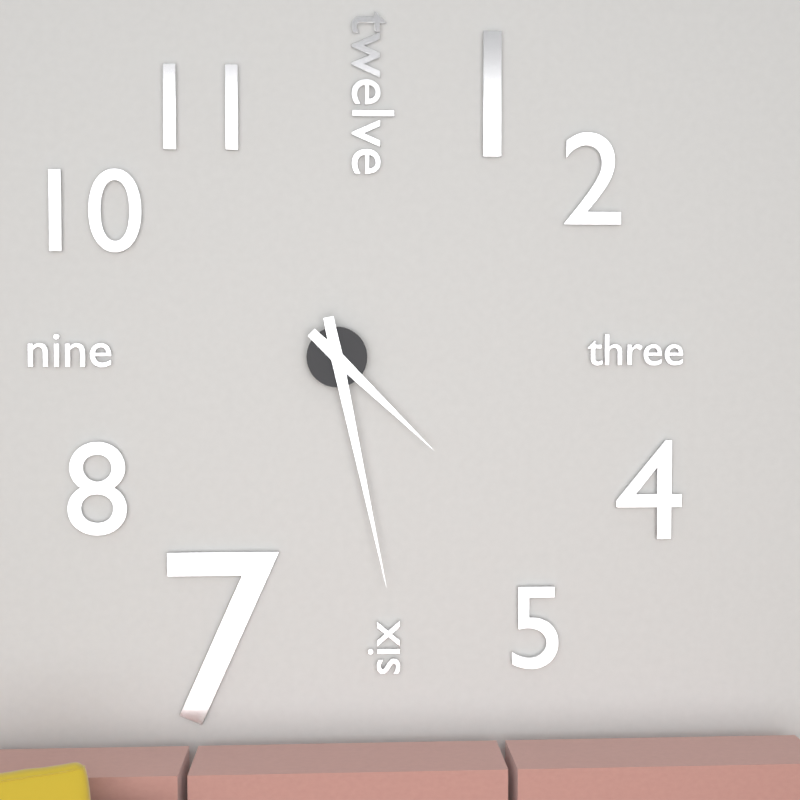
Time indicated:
{"hour": 4, "minute": 28}
